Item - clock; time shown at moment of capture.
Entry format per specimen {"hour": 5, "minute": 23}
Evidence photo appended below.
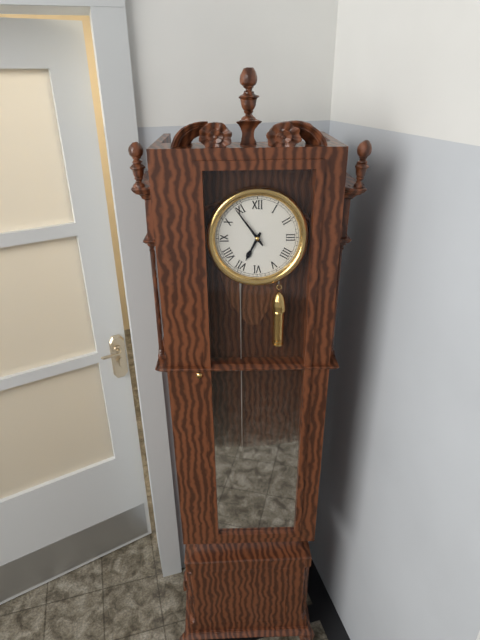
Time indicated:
{"hour": 6, "minute": 54}
